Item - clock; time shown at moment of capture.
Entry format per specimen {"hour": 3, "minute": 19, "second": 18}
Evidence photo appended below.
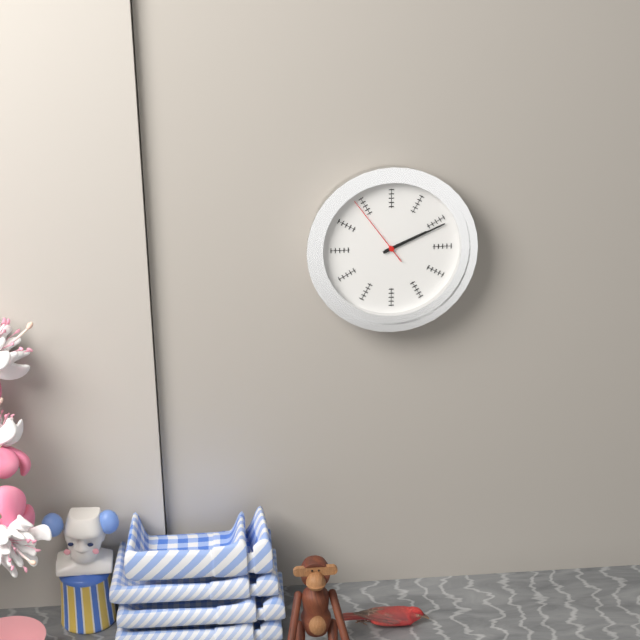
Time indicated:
{"hour": 2, "minute": 11, "second": 54}
